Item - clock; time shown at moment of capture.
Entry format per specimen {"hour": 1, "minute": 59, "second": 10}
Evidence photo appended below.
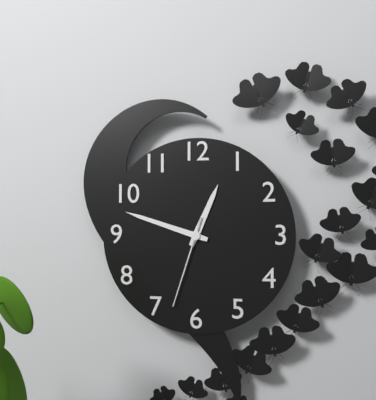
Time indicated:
{"hour": 12, "minute": 48, "second": 33}
